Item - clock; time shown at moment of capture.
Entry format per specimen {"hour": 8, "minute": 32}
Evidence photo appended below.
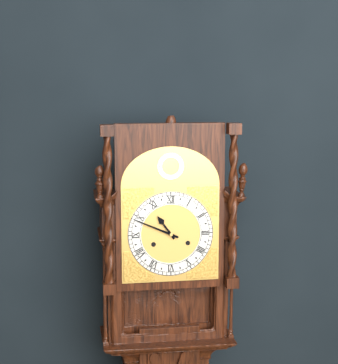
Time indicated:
{"hour": 10, "minute": 49}
